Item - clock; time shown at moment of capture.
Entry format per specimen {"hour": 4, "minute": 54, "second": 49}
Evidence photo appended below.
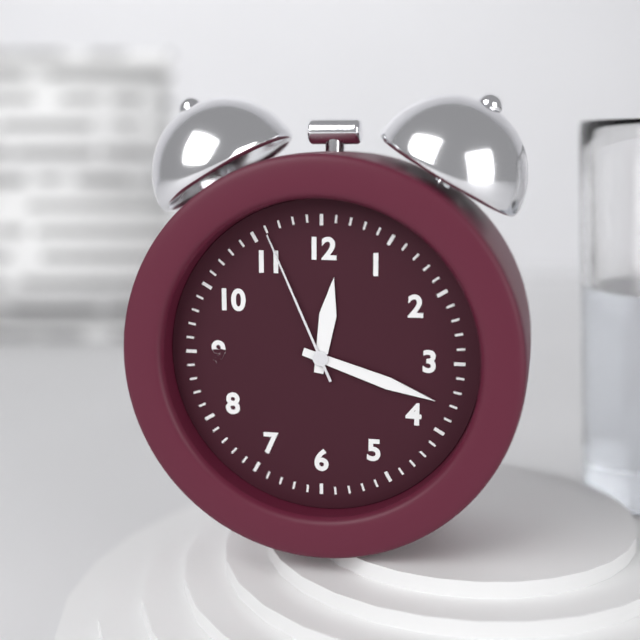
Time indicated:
{"hour": 12, "minute": 18, "second": 56}
